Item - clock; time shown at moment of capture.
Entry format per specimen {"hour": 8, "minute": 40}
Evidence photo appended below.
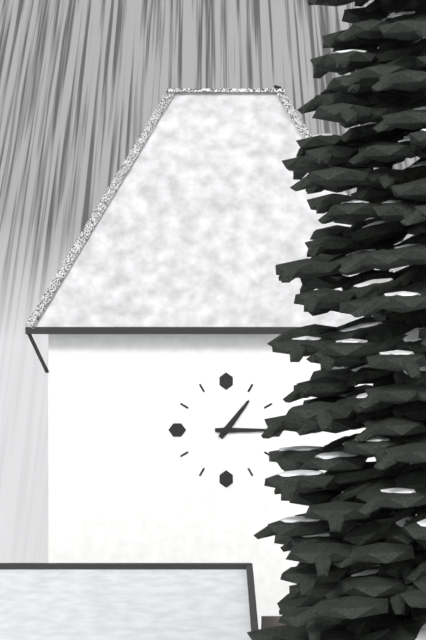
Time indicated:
{"hour": 1, "minute": 15}
